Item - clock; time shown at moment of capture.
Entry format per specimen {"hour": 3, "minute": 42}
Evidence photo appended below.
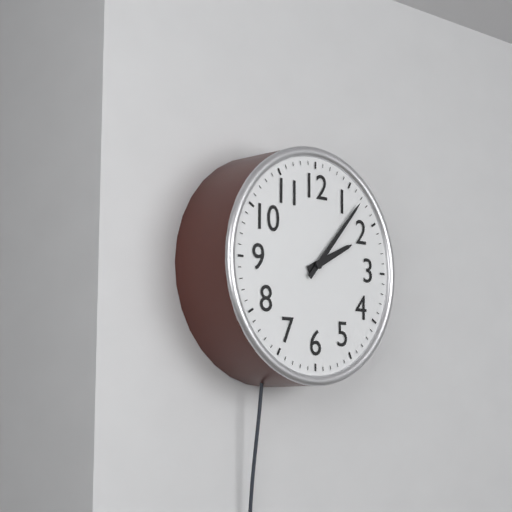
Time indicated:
{"hour": 2, "minute": 7}
